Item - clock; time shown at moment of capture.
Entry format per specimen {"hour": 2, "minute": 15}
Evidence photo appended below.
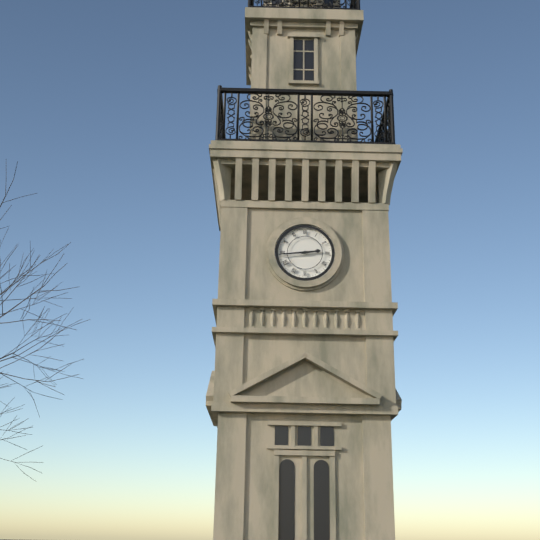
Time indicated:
{"hour": 2, "minute": 44}
